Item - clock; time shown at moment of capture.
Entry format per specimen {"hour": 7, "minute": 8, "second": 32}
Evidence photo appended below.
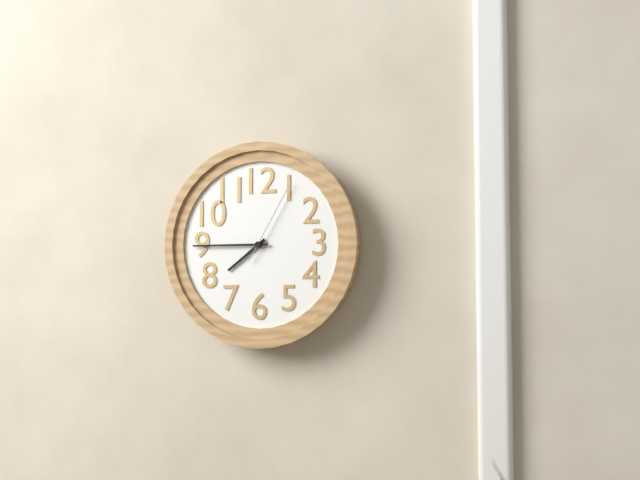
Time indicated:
{"hour": 7, "minute": 45, "second": 5}
